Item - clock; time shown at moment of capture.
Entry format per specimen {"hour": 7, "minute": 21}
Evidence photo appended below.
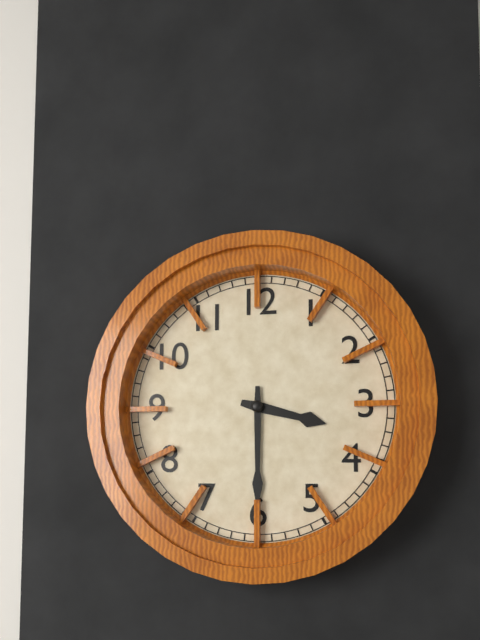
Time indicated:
{"hour": 3, "minute": 30}
